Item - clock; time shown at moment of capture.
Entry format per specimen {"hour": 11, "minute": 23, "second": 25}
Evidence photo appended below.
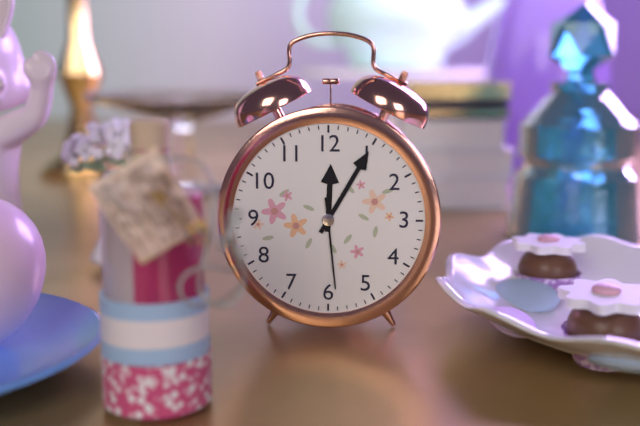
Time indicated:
{"hour": 12, "minute": 5, "second": 29}
